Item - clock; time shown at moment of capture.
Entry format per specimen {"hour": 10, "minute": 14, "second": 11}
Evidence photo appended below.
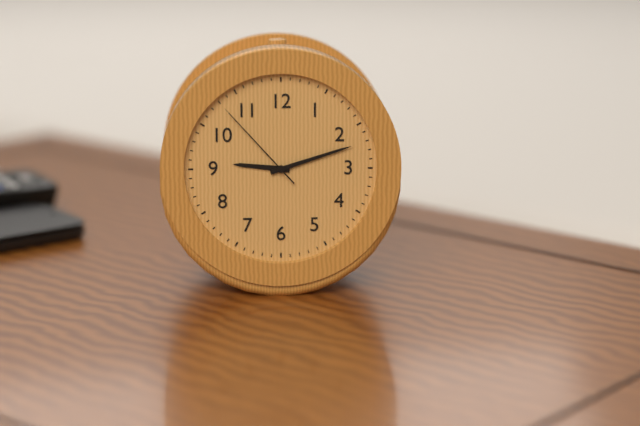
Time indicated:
{"hour": 9, "minute": 12, "second": 53}
